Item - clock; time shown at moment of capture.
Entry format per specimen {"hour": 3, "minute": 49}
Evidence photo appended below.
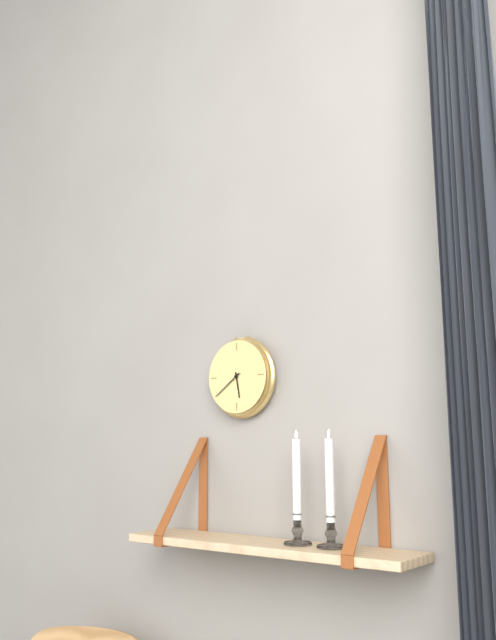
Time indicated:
{"hour": 5, "minute": 39}
